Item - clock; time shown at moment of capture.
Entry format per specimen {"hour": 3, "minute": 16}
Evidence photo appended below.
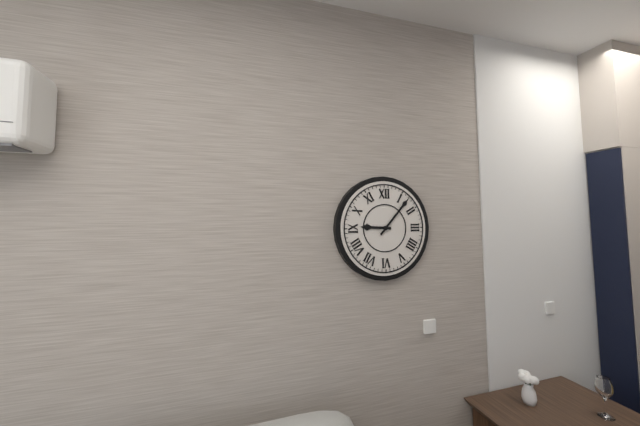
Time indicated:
{"hour": 9, "minute": 7}
